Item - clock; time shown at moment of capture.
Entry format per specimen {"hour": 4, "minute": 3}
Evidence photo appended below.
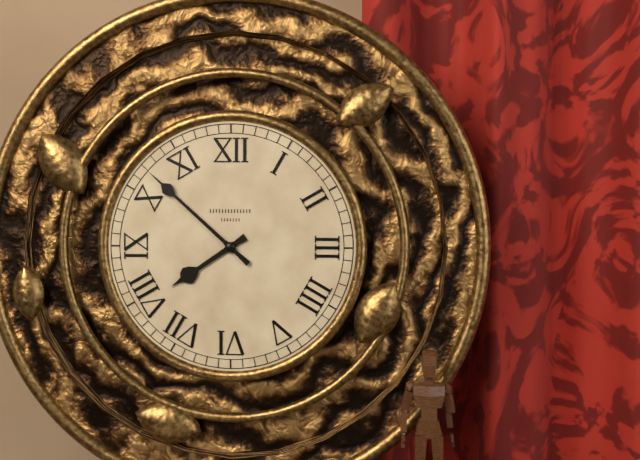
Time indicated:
{"hour": 7, "minute": 52}
